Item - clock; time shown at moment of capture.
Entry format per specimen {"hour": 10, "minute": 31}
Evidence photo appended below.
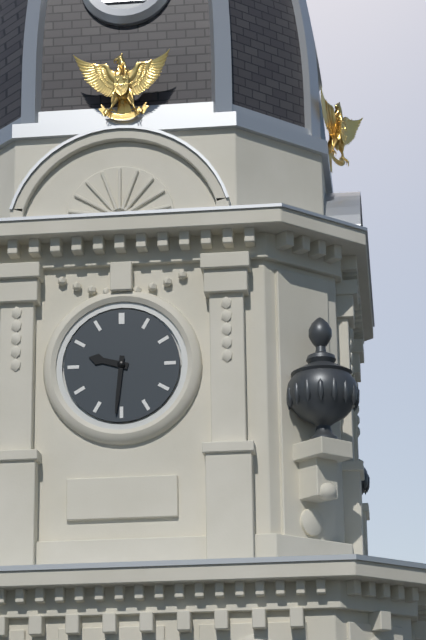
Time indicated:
{"hour": 9, "minute": 31}
